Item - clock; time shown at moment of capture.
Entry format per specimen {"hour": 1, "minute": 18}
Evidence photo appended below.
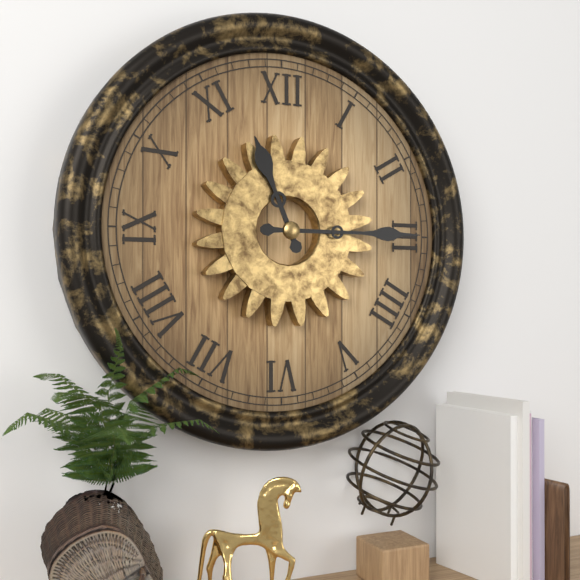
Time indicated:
{"hour": 11, "minute": 15}
